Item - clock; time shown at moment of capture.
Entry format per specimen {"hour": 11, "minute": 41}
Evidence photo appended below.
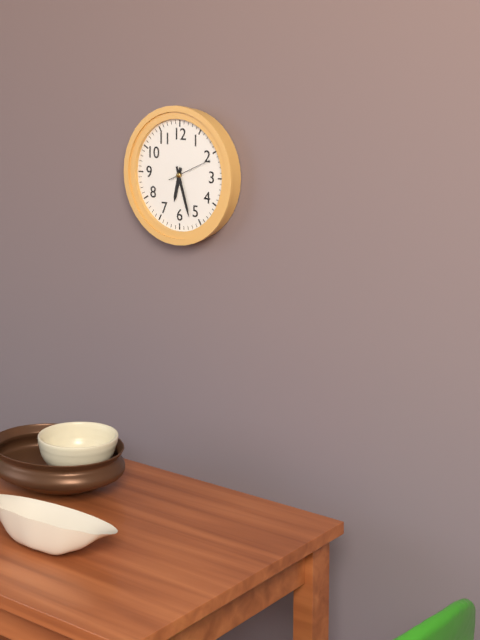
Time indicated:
{"hour": 6, "minute": 27}
